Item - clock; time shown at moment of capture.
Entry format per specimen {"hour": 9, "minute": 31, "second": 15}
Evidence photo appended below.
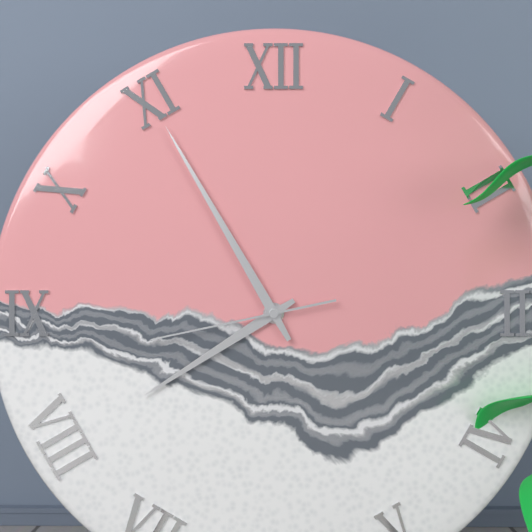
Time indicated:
{"hour": 7, "minute": 55, "second": 43}
